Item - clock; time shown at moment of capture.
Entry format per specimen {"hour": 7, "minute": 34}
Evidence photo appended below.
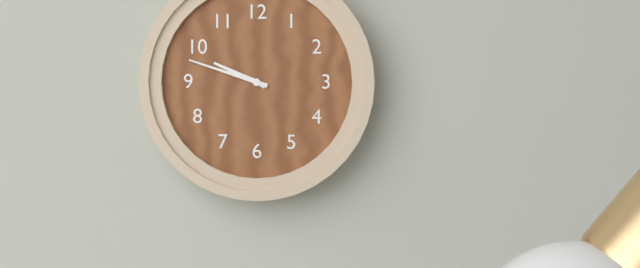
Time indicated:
{"hour": 9, "minute": 48}
